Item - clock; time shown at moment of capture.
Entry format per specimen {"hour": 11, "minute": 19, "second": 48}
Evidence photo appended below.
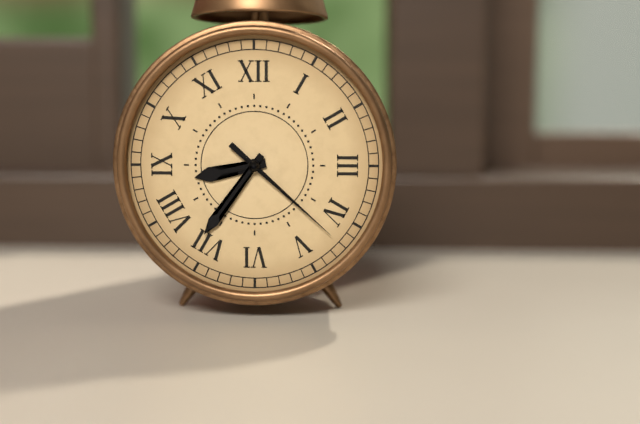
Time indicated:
{"hour": 8, "minute": 36, "second": 22}
